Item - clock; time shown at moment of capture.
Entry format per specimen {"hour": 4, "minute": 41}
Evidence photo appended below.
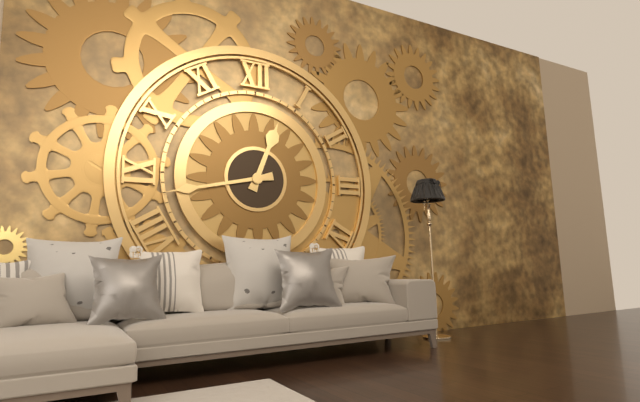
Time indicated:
{"hour": 12, "minute": 43}
